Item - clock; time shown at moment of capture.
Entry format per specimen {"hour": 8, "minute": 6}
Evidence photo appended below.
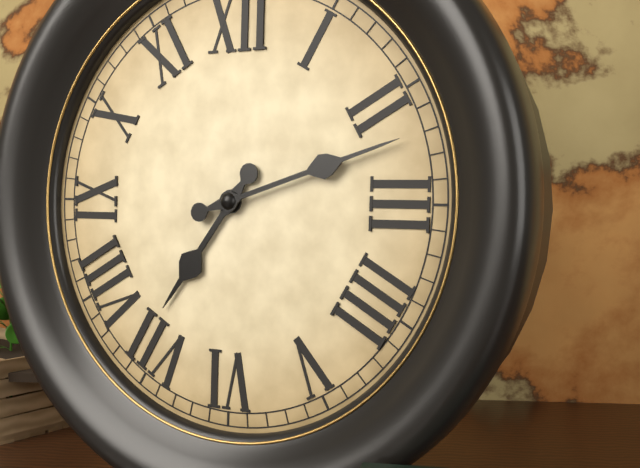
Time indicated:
{"hour": 7, "minute": 12}
